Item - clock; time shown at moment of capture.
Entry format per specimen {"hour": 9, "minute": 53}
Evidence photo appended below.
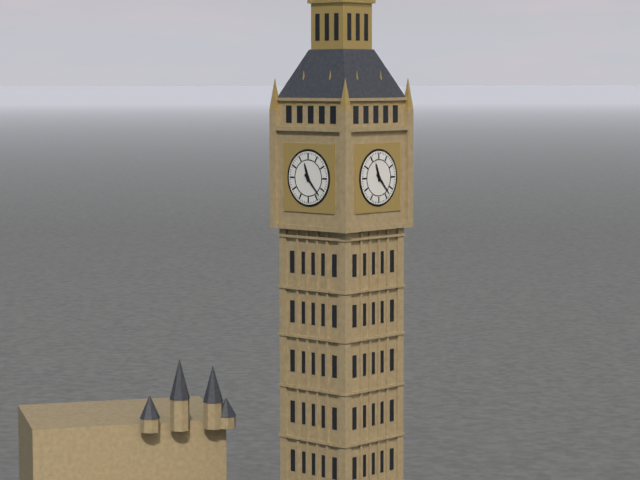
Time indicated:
{"hour": 11, "minute": 23}
